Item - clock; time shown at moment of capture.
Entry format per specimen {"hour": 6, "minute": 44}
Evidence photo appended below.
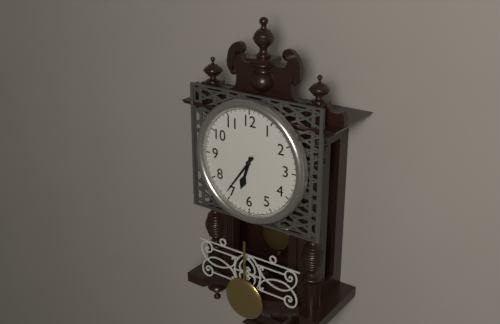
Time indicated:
{"hour": 6, "minute": 36}
